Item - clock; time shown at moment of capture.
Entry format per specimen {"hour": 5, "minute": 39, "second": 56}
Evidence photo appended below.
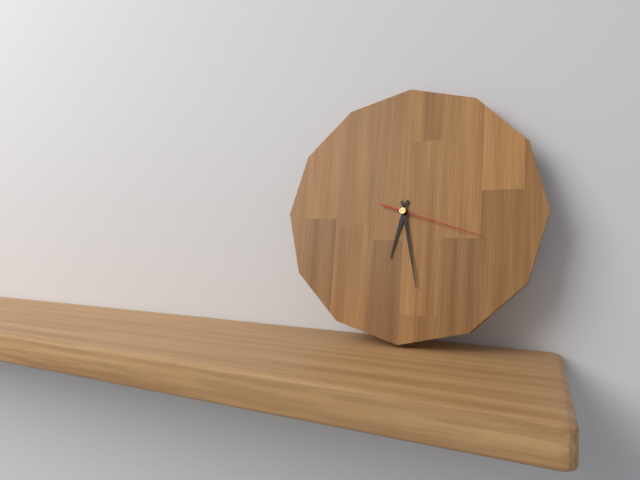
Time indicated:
{"hour": 6, "minute": 28, "second": 18}
